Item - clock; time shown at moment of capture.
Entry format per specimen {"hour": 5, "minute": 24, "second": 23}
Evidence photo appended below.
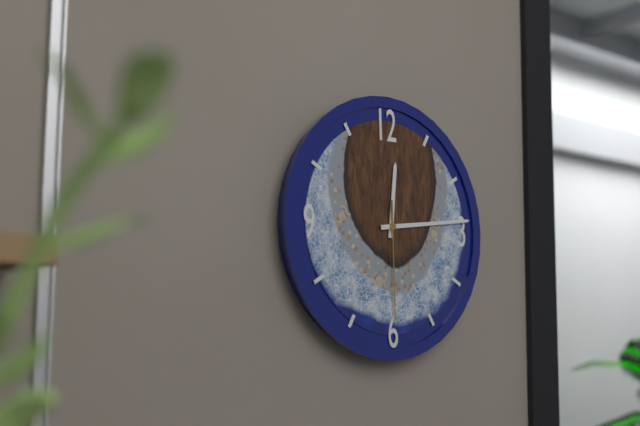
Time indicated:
{"hour": 12, "minute": 14, "second": 30}
